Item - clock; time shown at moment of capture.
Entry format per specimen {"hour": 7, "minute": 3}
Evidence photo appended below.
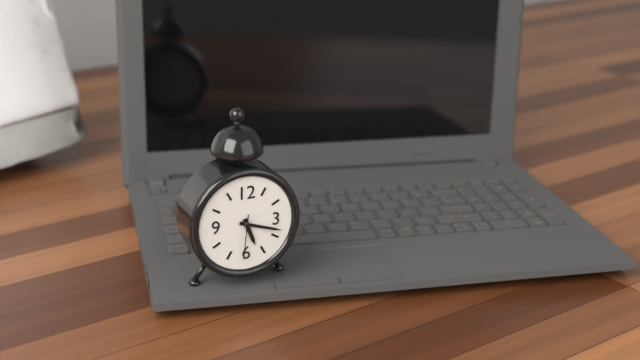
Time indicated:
{"hour": 5, "minute": 18}
